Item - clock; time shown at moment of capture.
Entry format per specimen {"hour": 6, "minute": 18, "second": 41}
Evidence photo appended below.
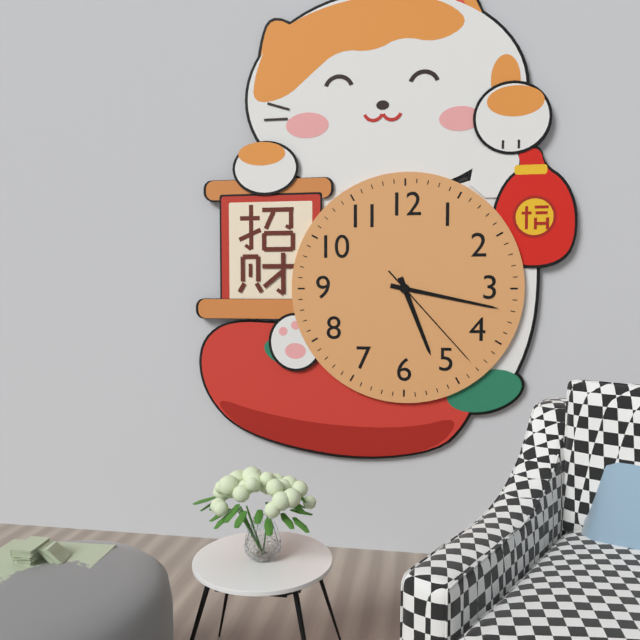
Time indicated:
{"hour": 5, "minute": 17, "second": 23}
